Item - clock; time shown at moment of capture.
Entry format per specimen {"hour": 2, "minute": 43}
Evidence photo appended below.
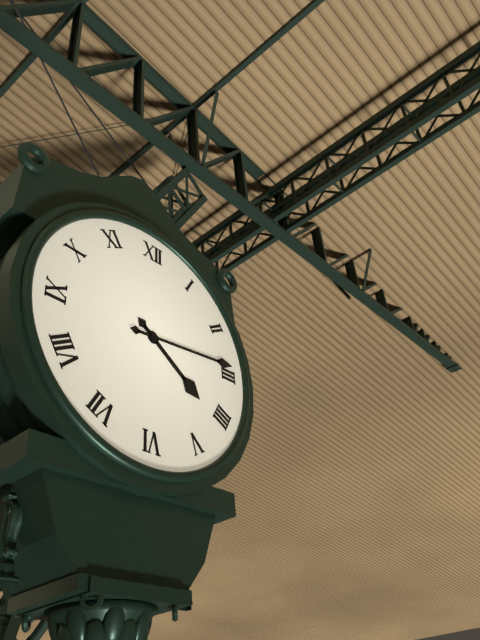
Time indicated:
{"hour": 4, "minute": 14}
